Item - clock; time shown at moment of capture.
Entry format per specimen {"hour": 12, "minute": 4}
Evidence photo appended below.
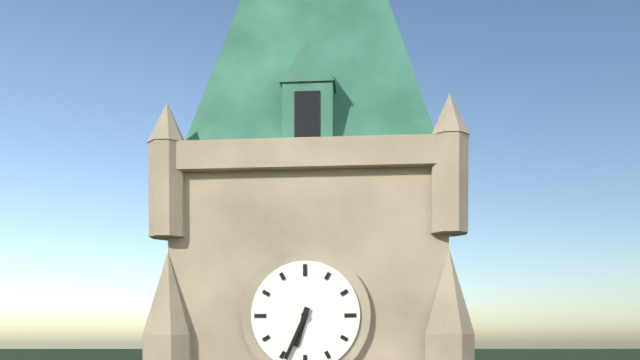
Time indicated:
{"hour": 6, "minute": 34}
